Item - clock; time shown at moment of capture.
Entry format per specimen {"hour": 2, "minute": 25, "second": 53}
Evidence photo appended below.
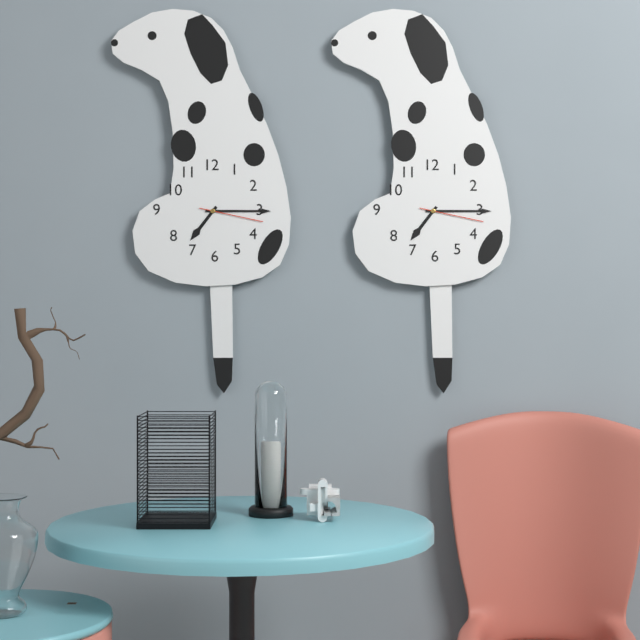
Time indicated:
{"hour": 7, "minute": 15, "second": 17}
